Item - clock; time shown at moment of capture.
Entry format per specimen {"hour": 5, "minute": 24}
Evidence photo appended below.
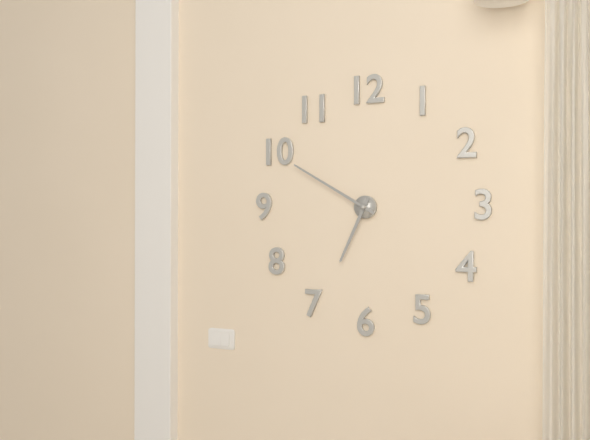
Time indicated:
{"hour": 6, "minute": 50}
